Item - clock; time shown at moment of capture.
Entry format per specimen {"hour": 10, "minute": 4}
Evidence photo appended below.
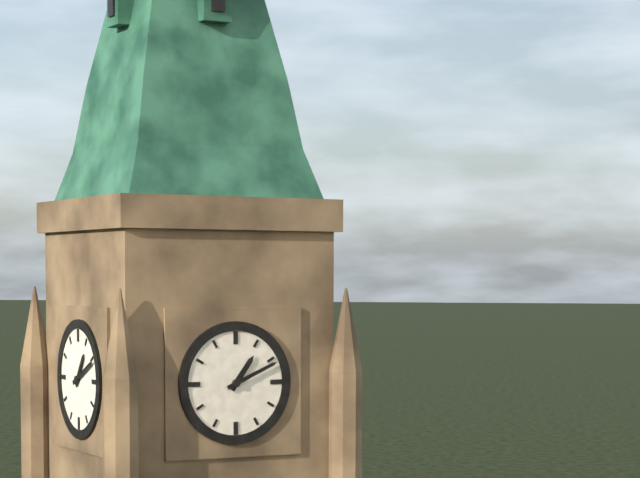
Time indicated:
{"hour": 1, "minute": 11}
